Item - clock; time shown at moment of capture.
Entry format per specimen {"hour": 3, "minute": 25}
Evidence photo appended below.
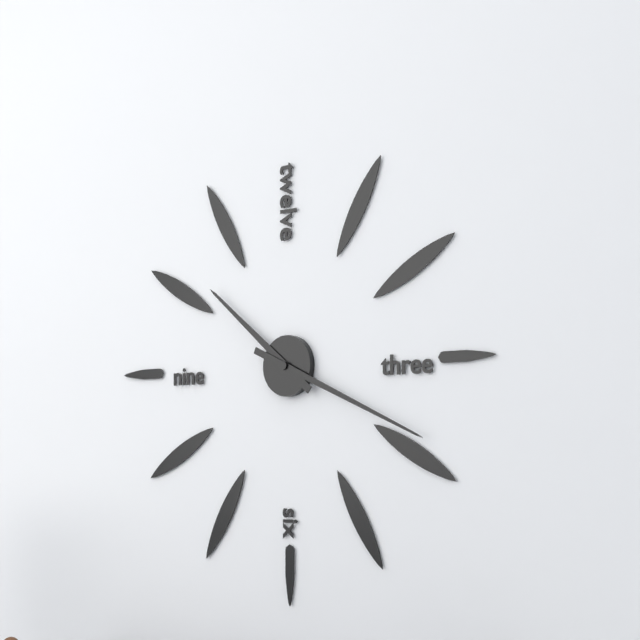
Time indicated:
{"hour": 10, "minute": 19}
